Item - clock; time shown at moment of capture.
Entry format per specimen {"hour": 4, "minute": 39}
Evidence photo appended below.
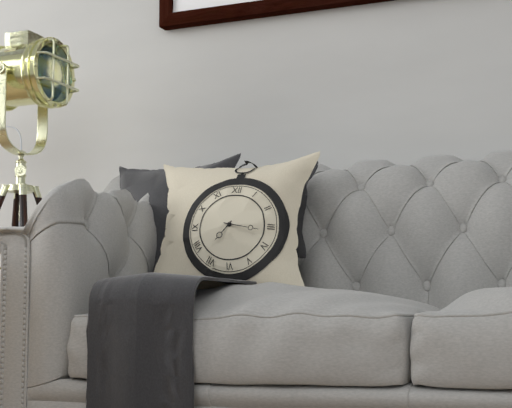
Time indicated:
{"hour": 7, "minute": 17}
